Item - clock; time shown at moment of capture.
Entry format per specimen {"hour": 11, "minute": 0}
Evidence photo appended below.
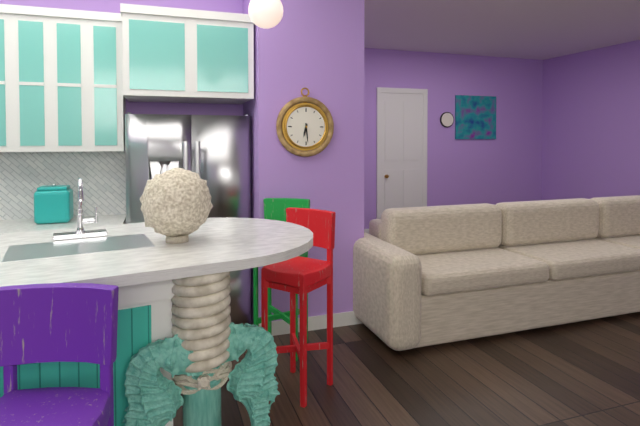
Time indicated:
{"hour": 6, "minute": 29}
